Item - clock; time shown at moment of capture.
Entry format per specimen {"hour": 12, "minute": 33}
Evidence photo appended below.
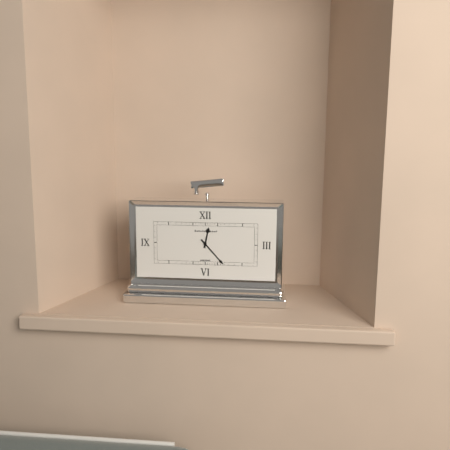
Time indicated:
{"hour": 12, "minute": 23}
